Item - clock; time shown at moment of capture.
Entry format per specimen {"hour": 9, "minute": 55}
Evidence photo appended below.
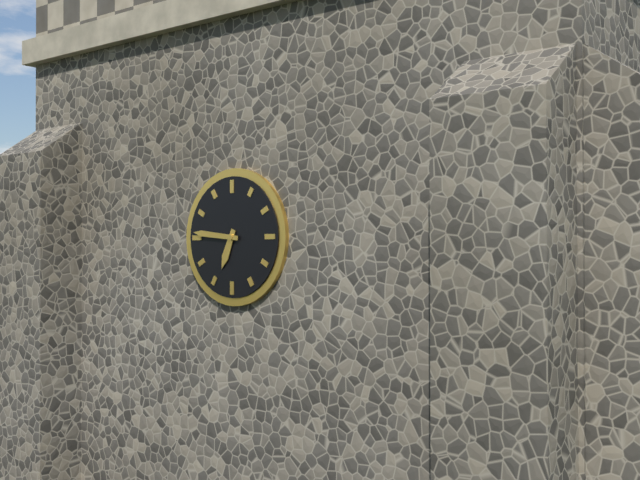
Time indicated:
{"hour": 6, "minute": 46}
